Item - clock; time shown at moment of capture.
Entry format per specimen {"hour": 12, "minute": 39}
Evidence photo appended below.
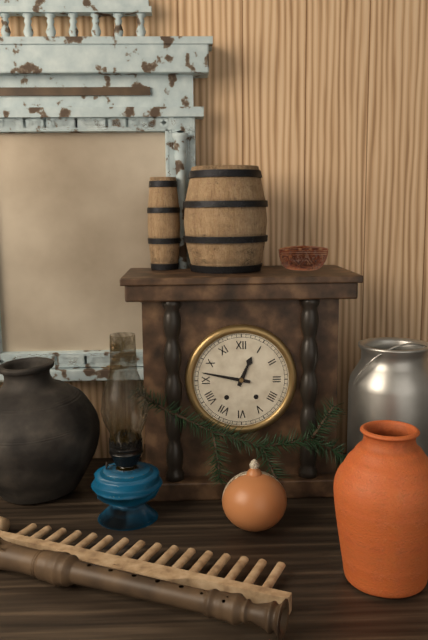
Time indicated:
{"hour": 12, "minute": 47}
